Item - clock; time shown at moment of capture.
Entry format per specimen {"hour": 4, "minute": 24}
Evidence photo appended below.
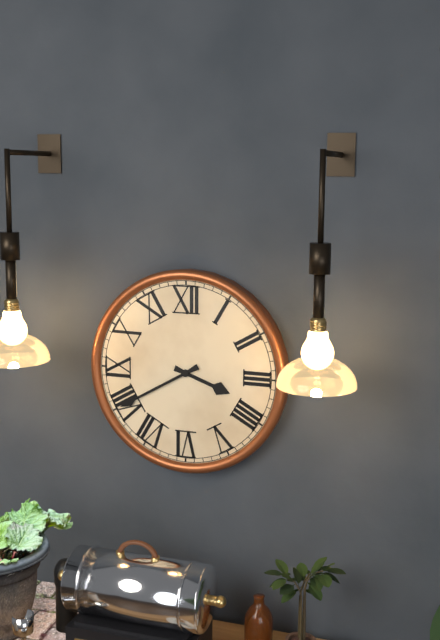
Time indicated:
{"hour": 3, "minute": 40}
